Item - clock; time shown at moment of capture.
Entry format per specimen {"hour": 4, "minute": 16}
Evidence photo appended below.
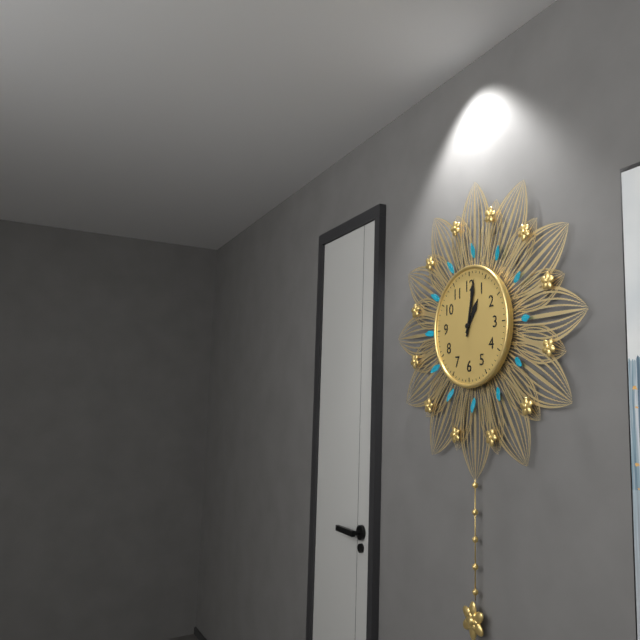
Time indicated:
{"hour": 1, "minute": 2}
